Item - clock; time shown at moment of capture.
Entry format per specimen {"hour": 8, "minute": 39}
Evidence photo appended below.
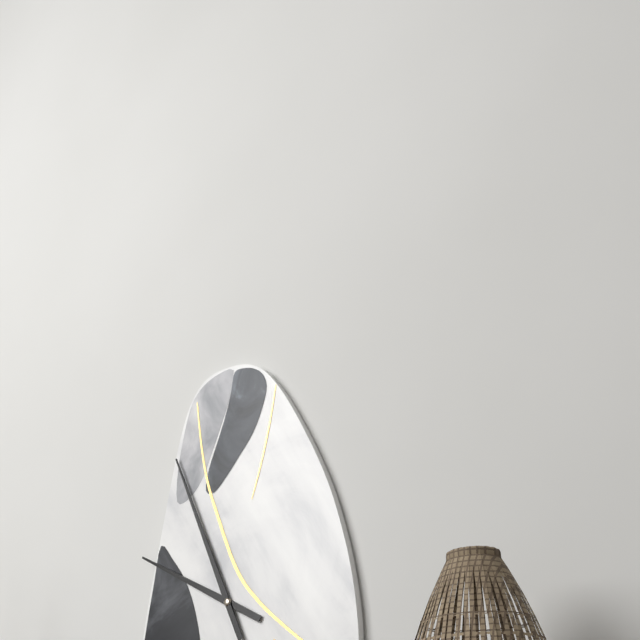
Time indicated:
{"hour": 9, "minute": 56}
